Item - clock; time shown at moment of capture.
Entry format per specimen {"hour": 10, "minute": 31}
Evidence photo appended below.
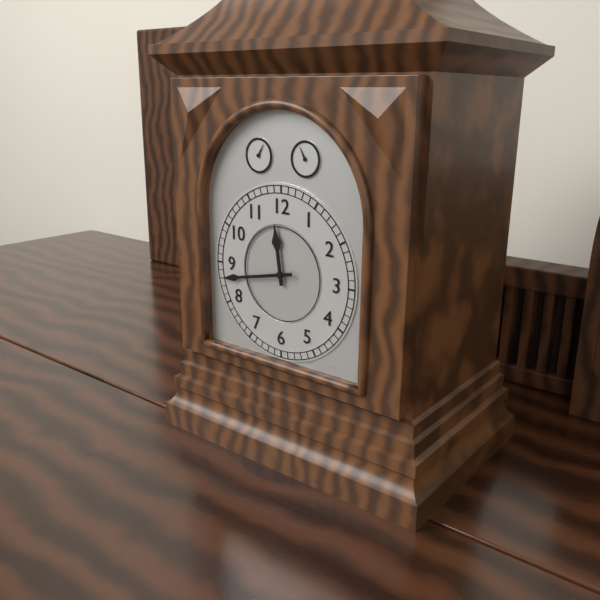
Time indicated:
{"hour": 11, "minute": 43}
